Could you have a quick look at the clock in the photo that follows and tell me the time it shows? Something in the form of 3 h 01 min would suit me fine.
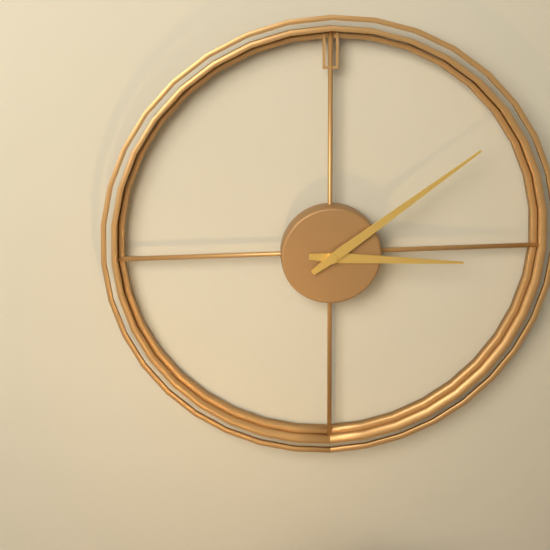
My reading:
3 h 09 min
